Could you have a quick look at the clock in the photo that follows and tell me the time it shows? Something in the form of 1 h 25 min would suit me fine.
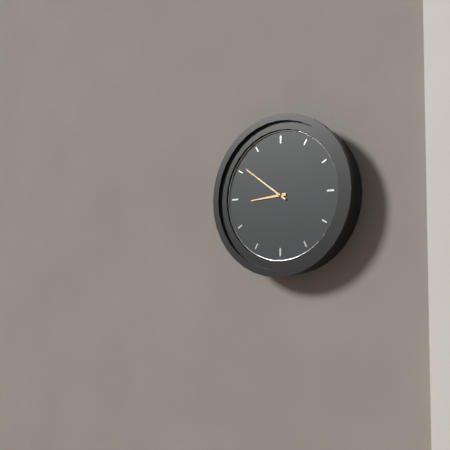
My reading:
8 h 51 min
